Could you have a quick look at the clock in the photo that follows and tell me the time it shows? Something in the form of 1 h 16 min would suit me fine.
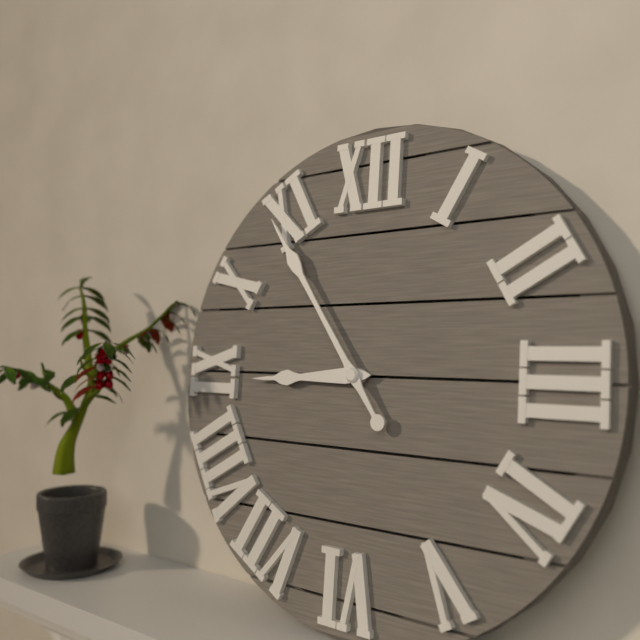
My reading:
8 h 54 min
